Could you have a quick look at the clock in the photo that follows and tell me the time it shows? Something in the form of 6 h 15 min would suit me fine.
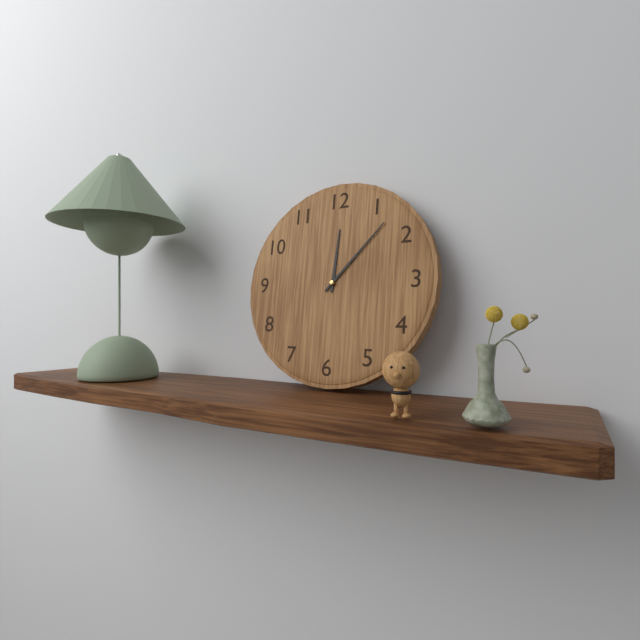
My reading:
12 h 07 min
